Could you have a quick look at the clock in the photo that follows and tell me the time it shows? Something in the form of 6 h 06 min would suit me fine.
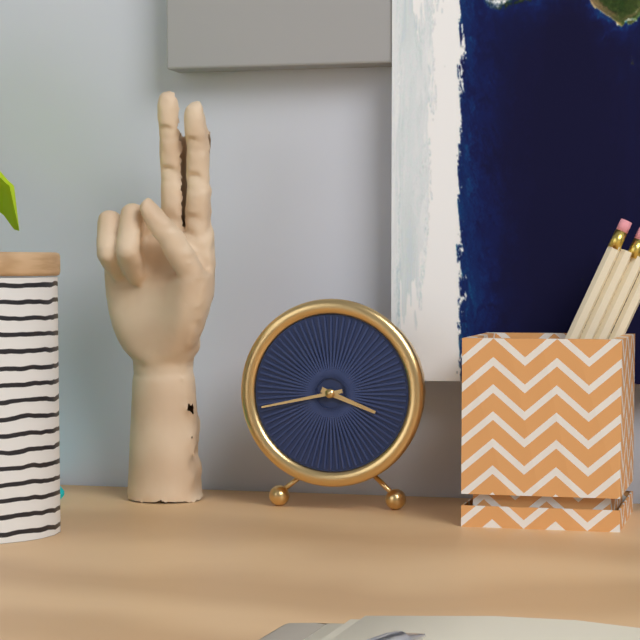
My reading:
3 h 43 min
